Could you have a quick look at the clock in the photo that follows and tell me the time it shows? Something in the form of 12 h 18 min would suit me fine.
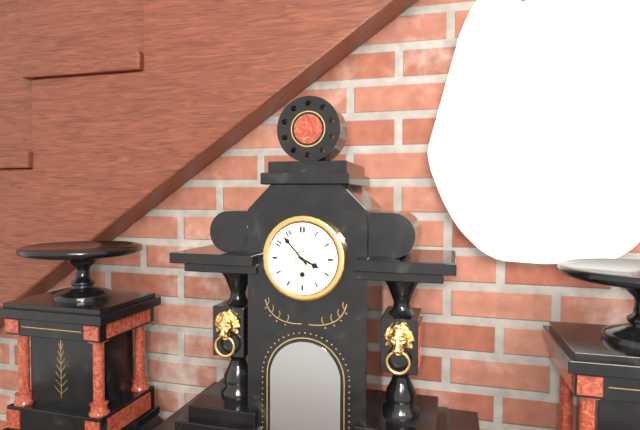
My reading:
3 h 53 min
